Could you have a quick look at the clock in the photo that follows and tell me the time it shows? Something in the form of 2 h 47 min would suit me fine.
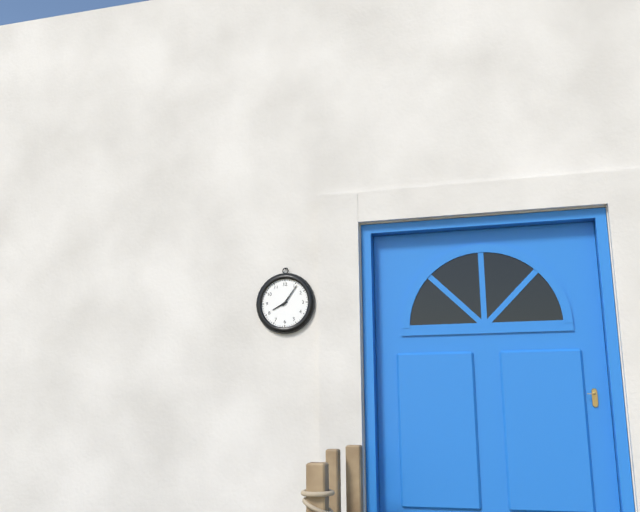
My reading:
8 h 06 min
